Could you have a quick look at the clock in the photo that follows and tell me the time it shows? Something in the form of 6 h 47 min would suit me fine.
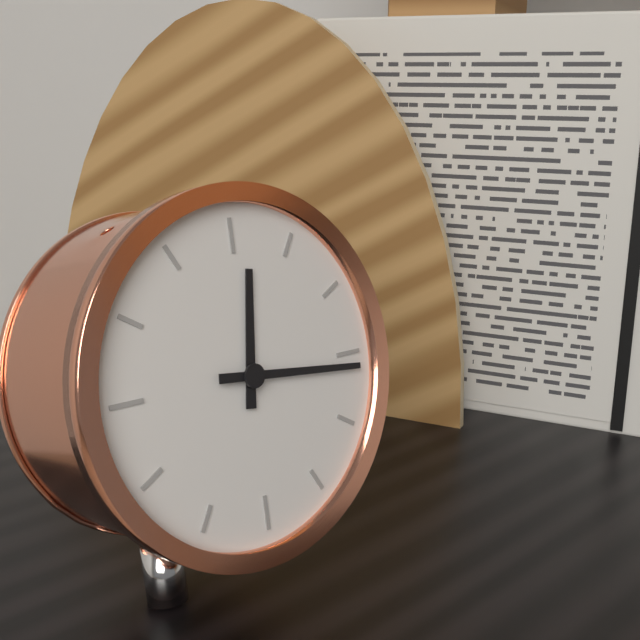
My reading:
12 h 16 min
